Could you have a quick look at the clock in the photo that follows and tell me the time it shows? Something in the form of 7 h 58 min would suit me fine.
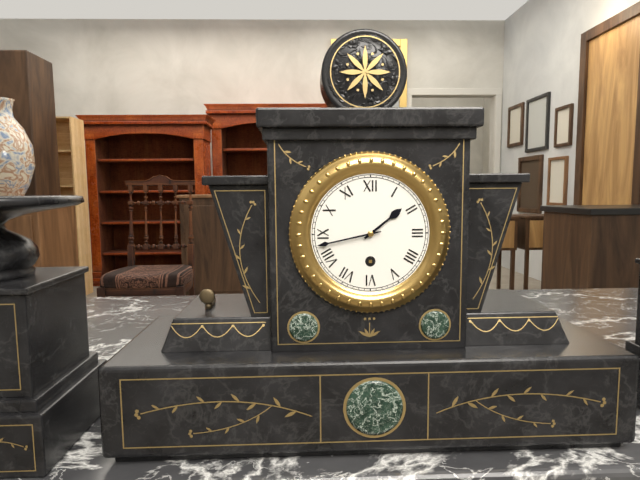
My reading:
1 h 43 min
